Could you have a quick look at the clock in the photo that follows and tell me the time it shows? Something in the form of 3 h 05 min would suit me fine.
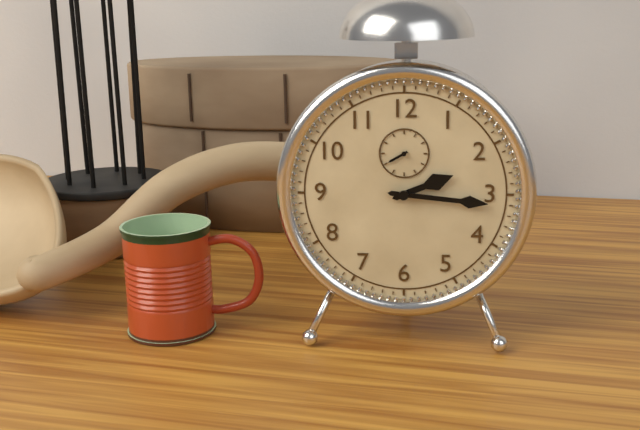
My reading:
2 h 16 min
